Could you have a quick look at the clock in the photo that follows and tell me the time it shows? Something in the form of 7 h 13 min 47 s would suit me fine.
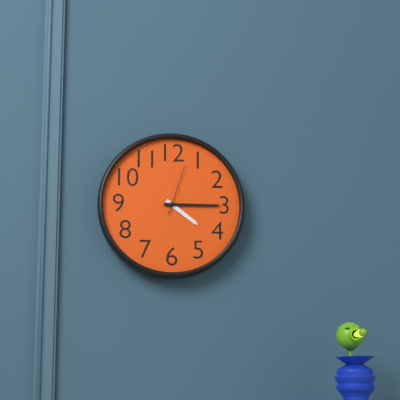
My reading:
4 h 15 min 03 s
